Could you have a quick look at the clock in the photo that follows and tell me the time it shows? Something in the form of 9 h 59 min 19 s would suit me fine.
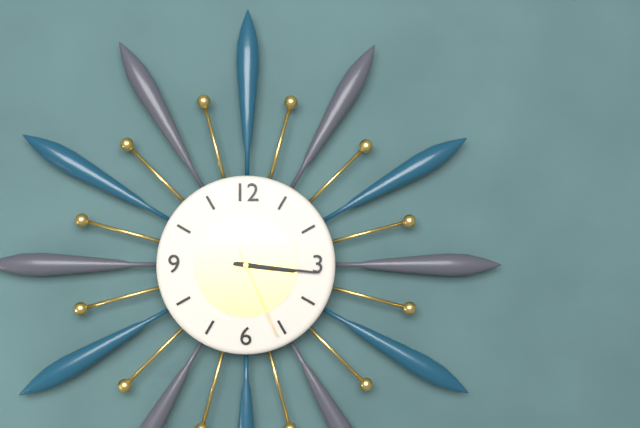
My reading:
3 h 16 min 26 s
